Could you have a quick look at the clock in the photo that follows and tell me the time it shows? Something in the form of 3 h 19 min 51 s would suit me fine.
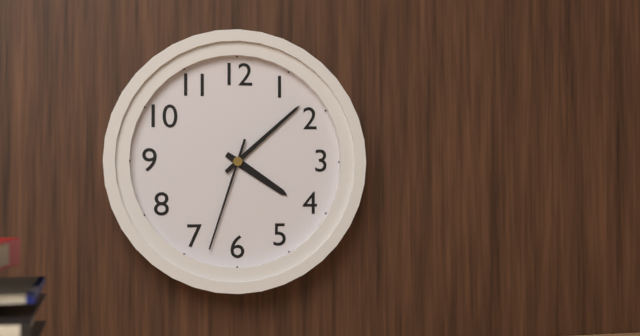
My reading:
4 h 08 min 33 s
